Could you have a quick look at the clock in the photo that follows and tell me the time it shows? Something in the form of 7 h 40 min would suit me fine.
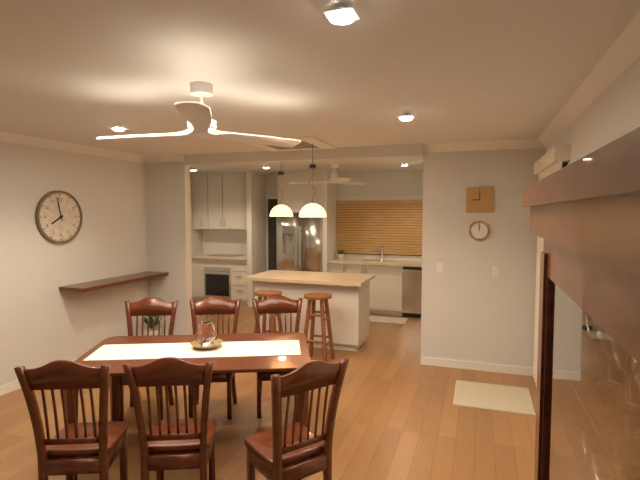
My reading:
7 h 58 min
